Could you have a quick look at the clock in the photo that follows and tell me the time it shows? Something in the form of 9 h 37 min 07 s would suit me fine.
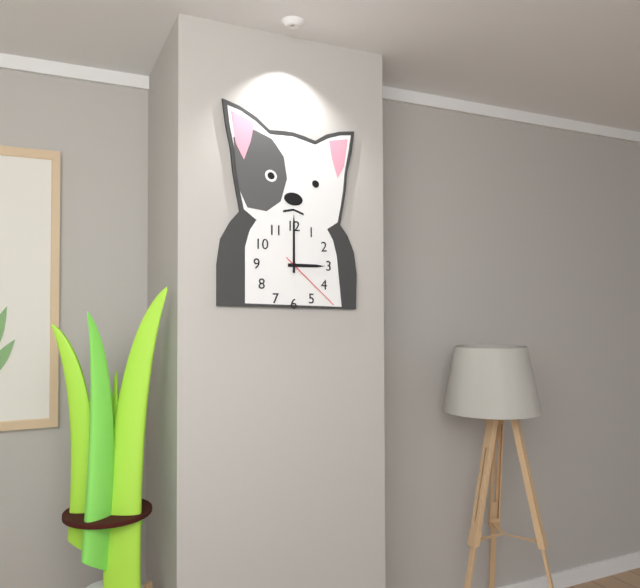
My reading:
3 h 00 min 22 s
